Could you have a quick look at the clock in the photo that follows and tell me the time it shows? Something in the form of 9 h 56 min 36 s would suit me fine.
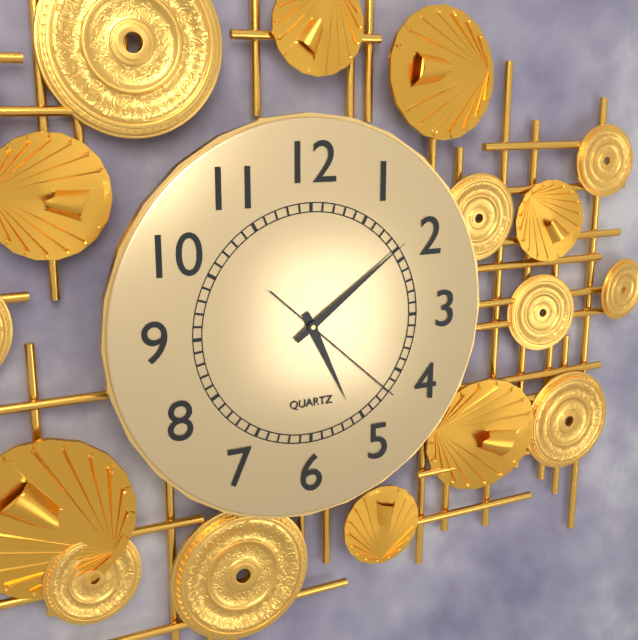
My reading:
5 h 09 min 22 s
